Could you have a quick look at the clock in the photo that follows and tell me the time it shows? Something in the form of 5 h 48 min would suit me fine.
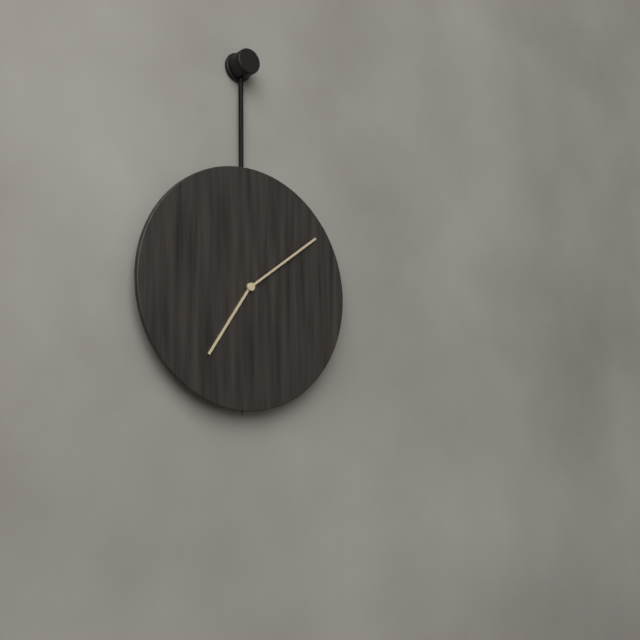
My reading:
7 h 09 min
